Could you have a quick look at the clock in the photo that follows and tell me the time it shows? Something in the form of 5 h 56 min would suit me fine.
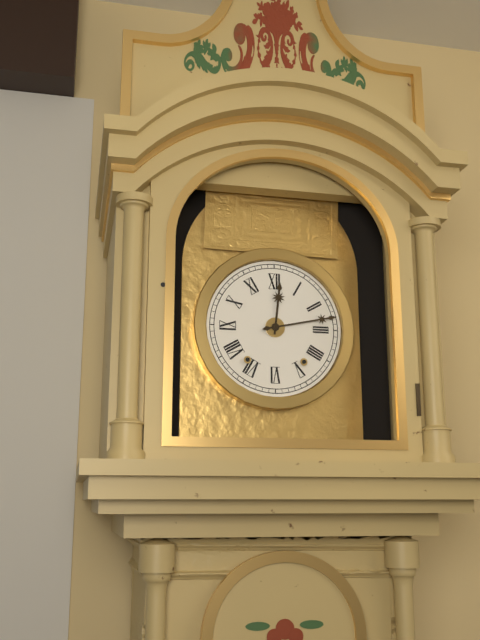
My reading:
12 h 13 min
